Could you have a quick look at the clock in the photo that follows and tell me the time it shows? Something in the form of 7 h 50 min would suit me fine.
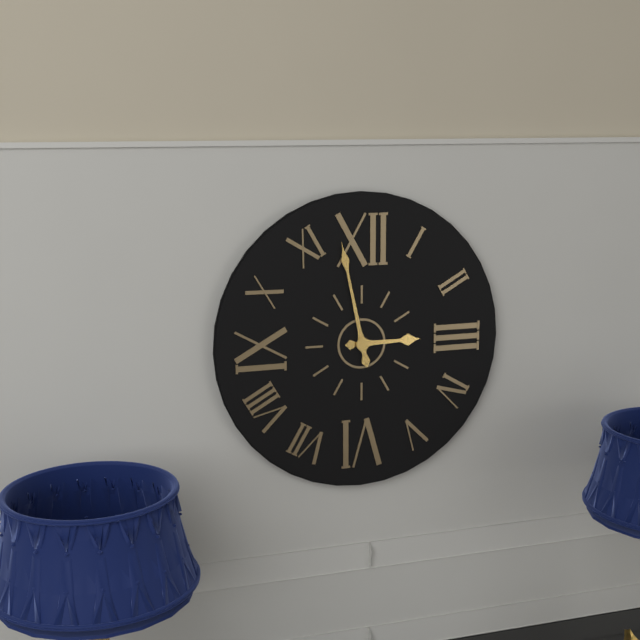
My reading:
2 h 58 min
